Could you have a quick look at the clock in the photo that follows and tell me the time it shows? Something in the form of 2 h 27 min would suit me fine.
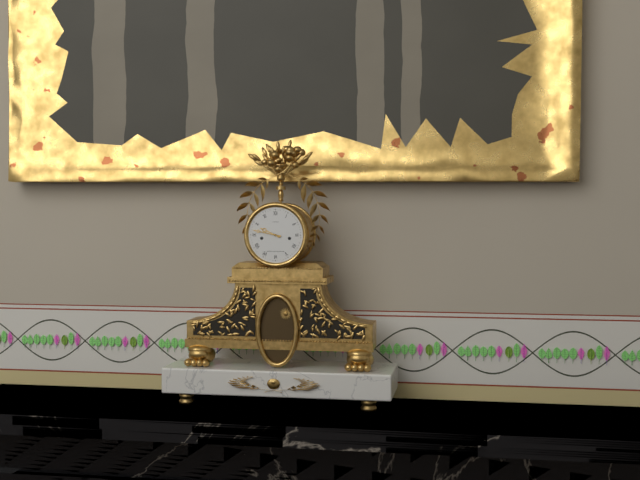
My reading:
9 h 47 min
